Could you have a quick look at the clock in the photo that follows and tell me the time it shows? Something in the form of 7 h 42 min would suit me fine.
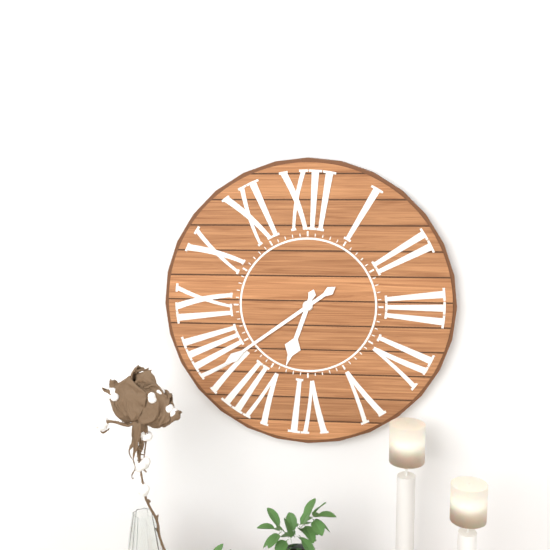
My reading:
6 h 39 min
